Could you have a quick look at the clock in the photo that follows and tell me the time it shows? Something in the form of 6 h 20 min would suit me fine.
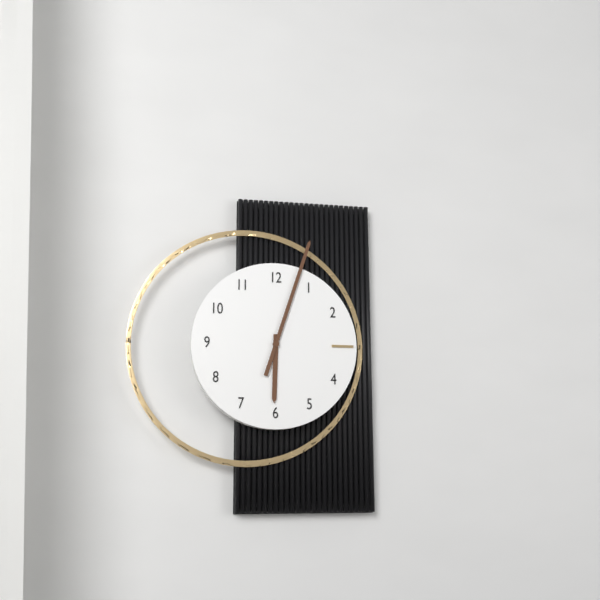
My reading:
6 h 03 min
